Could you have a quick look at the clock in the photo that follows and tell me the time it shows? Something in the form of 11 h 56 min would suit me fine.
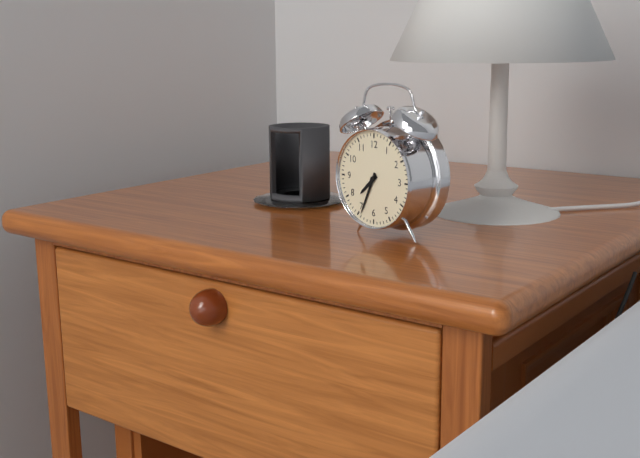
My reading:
7 h 34 min
